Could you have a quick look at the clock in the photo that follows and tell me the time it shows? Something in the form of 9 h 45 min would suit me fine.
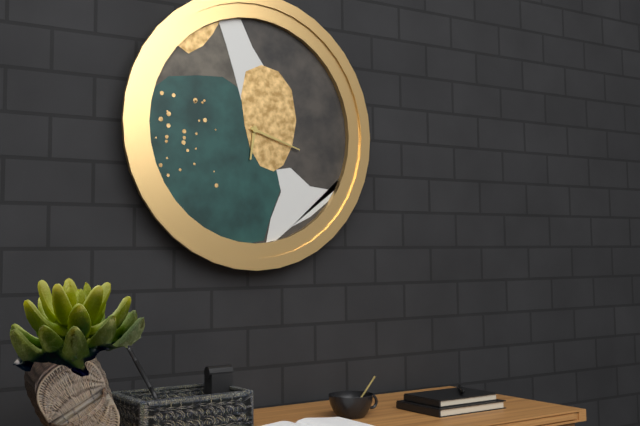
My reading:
6 h 18 min
